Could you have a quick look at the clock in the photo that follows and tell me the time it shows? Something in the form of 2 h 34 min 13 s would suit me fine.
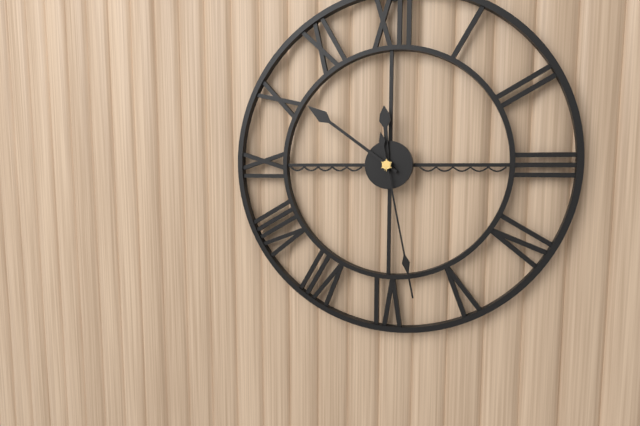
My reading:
11 h 51 min 28 s
